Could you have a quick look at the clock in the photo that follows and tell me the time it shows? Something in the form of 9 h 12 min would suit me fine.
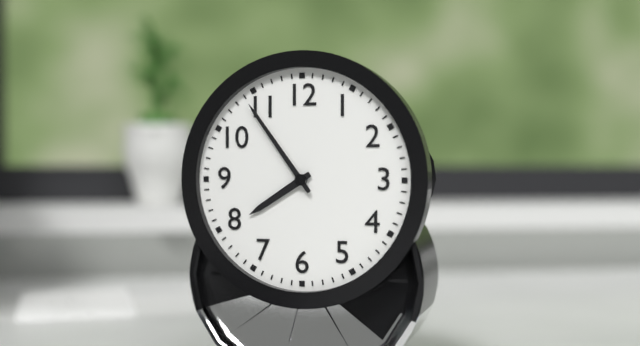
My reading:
7 h 54 min
